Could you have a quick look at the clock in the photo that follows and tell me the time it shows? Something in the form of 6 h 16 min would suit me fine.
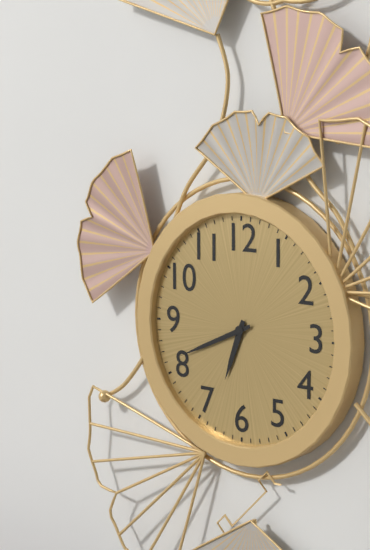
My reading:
6 h 41 min
